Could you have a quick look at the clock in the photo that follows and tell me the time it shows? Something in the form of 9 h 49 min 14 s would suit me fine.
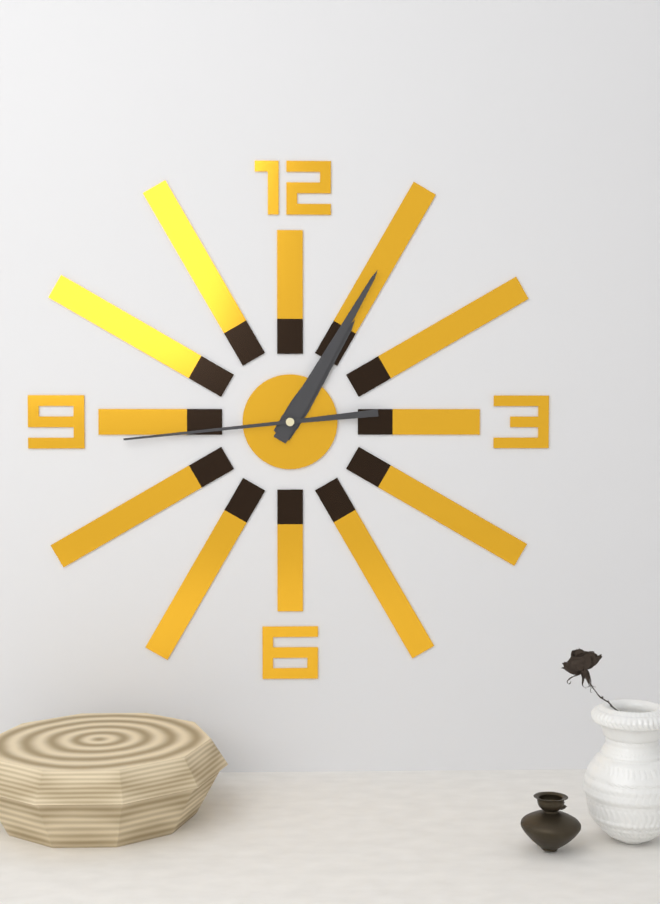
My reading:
1 h 05 min 44 s
